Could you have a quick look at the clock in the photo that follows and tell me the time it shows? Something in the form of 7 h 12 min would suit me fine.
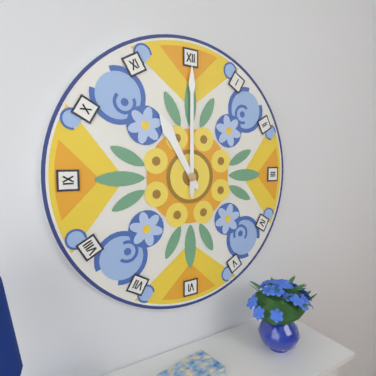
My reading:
11 h 00 min
